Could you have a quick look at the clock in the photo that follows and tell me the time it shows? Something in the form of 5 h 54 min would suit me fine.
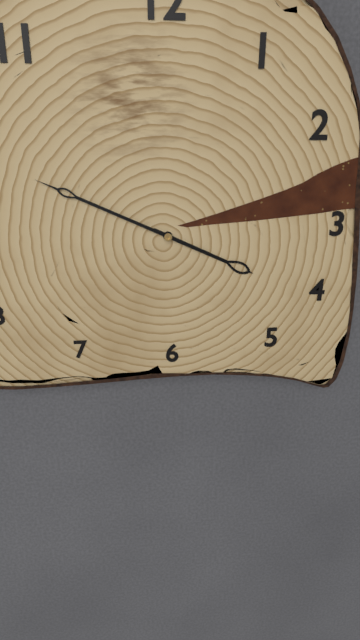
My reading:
3 h 49 min
